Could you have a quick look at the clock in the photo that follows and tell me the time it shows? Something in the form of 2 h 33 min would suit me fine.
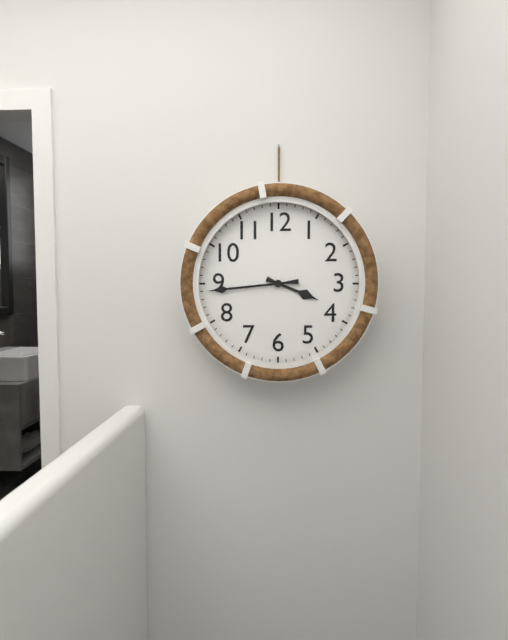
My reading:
3 h 44 min
